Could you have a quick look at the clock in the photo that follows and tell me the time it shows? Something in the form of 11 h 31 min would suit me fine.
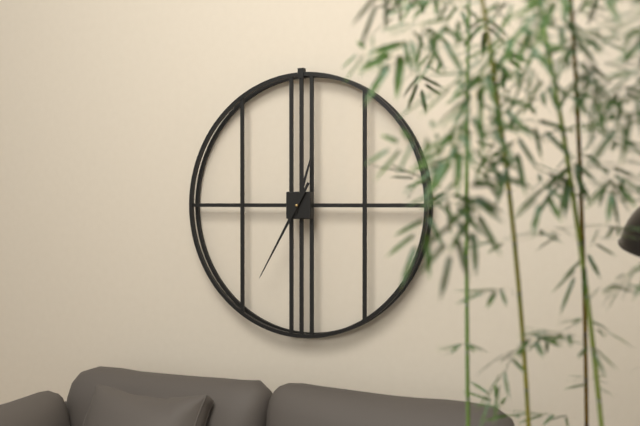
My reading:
12 h 35 min
